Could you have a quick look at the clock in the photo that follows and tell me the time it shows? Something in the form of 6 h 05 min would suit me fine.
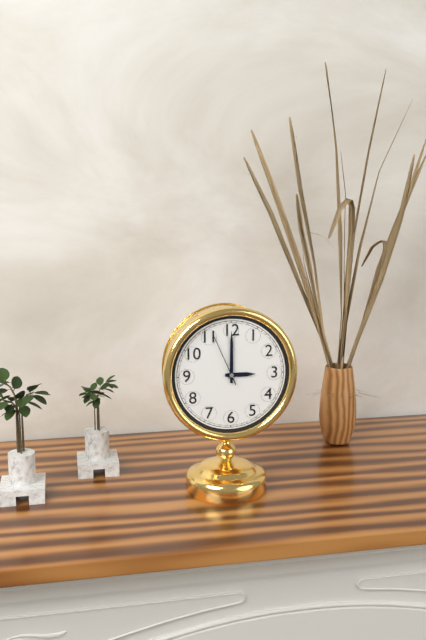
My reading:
3 h 00 min
